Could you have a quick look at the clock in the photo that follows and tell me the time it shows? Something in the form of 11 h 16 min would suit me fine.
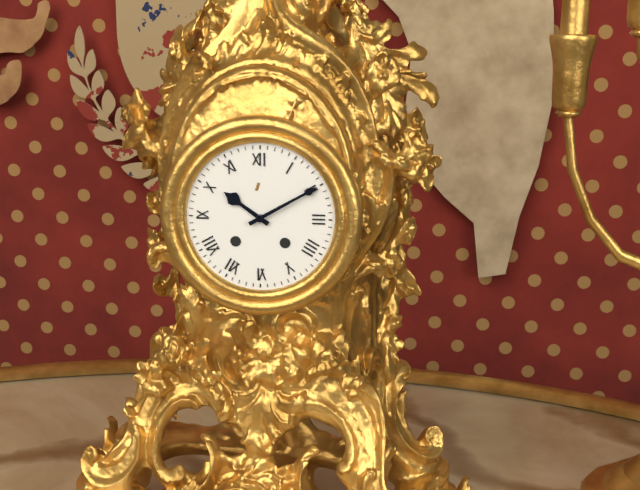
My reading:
10 h 10 min
